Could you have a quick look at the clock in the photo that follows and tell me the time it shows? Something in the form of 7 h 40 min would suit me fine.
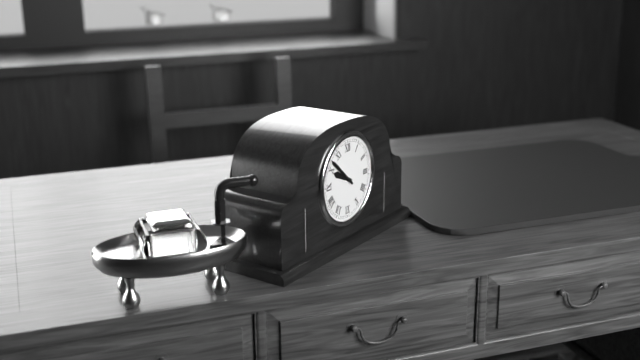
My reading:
9 h 52 min
